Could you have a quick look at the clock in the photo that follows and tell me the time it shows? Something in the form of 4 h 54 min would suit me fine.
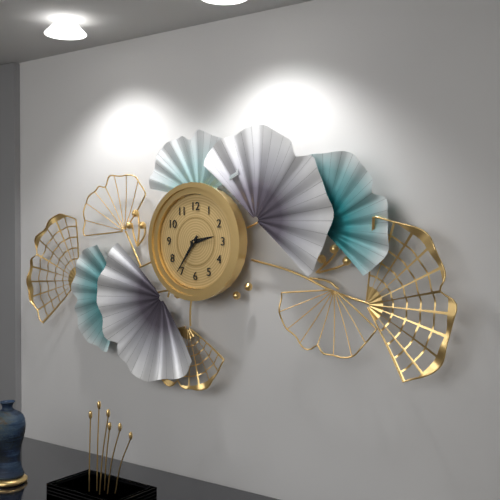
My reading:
2 h 36 min
